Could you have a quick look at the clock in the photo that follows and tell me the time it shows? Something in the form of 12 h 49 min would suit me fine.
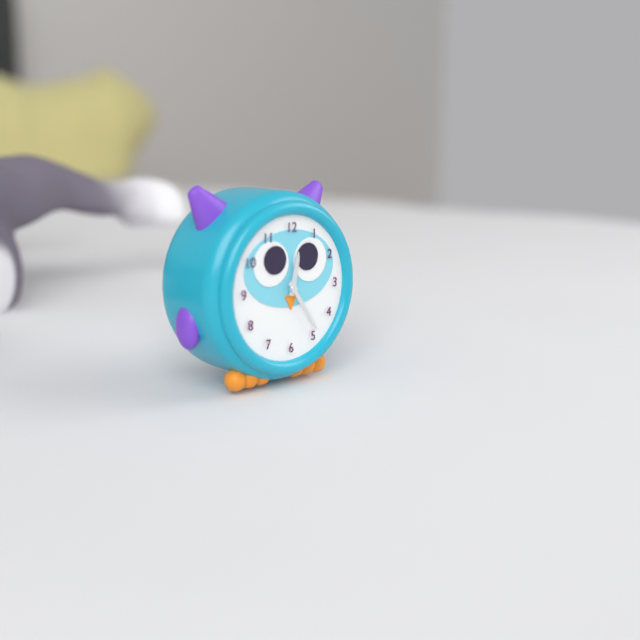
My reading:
12 h 24 min
